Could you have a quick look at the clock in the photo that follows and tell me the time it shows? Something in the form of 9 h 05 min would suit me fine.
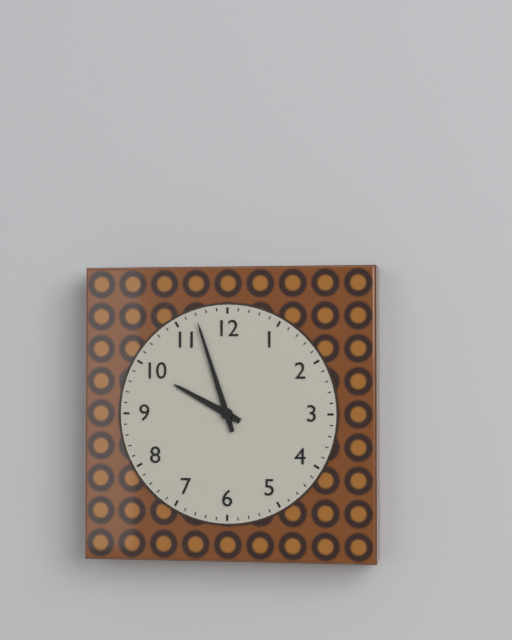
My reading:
9 h 57 min
